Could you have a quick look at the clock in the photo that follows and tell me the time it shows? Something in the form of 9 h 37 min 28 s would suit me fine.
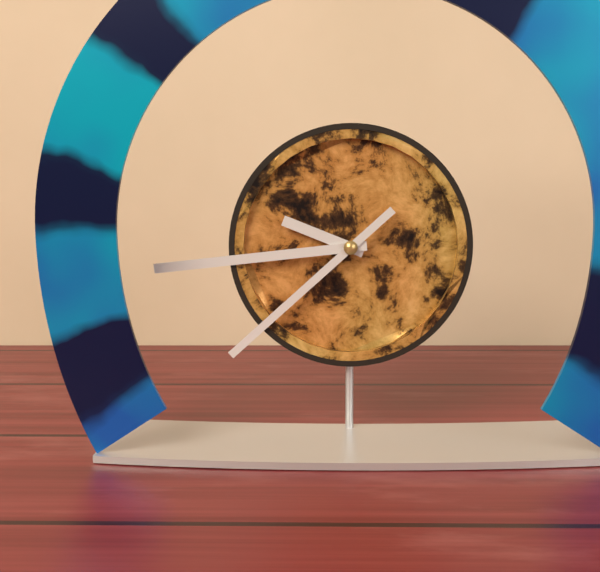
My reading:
9 h 44 min 38 s
